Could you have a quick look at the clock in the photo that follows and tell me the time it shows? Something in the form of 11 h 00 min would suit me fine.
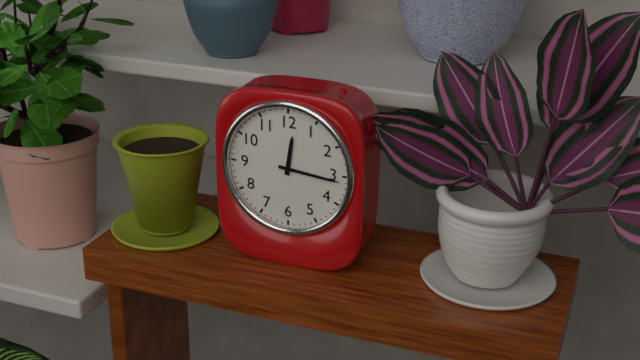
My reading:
12 h 16 min
